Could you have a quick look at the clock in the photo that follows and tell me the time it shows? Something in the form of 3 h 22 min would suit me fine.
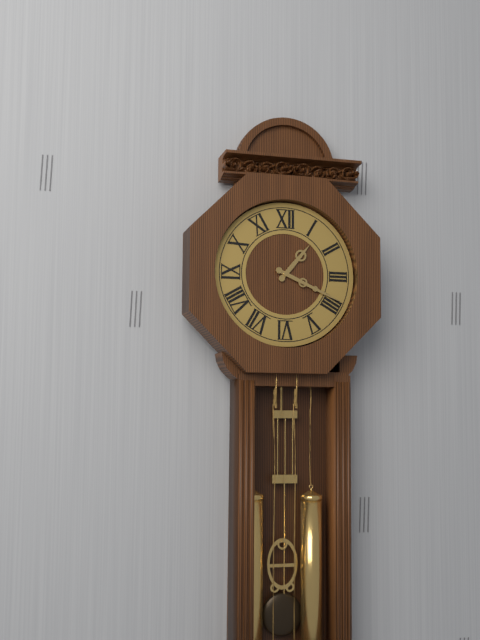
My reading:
1 h 19 min
